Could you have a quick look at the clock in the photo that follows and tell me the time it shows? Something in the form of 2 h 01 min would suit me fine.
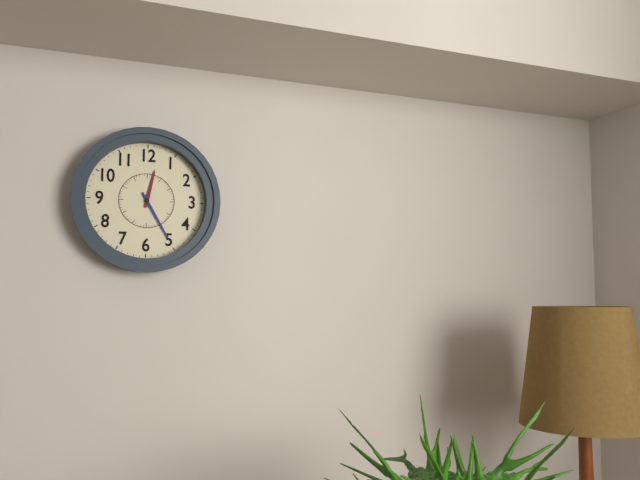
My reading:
12 h 25 min
